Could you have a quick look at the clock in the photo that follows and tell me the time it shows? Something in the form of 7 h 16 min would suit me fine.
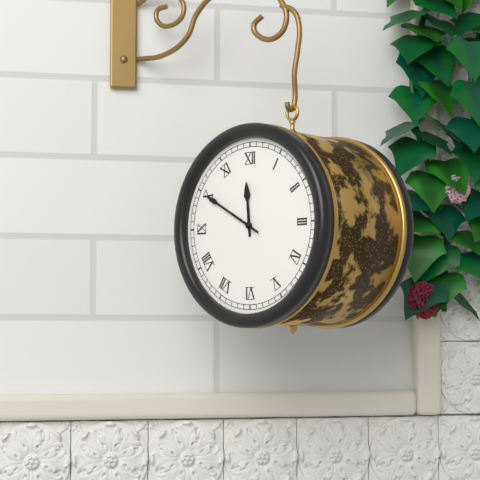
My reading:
11 h 50 min
